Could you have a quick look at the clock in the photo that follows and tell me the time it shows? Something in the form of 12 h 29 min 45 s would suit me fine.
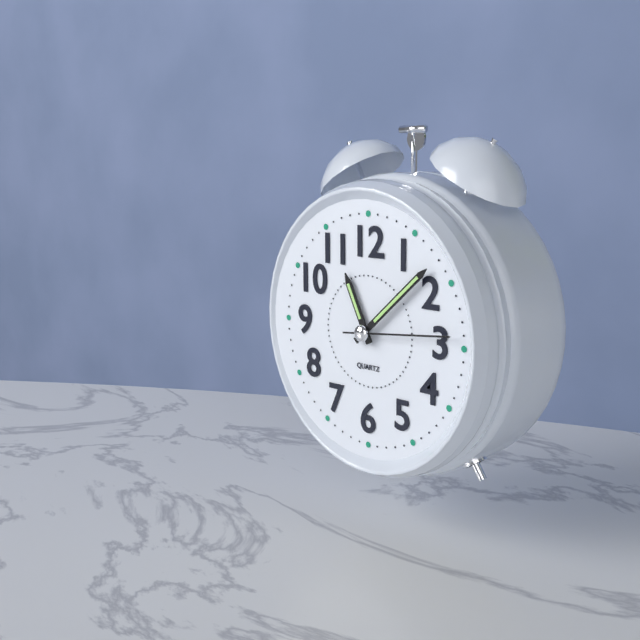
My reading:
11 h 08 min 14 s
